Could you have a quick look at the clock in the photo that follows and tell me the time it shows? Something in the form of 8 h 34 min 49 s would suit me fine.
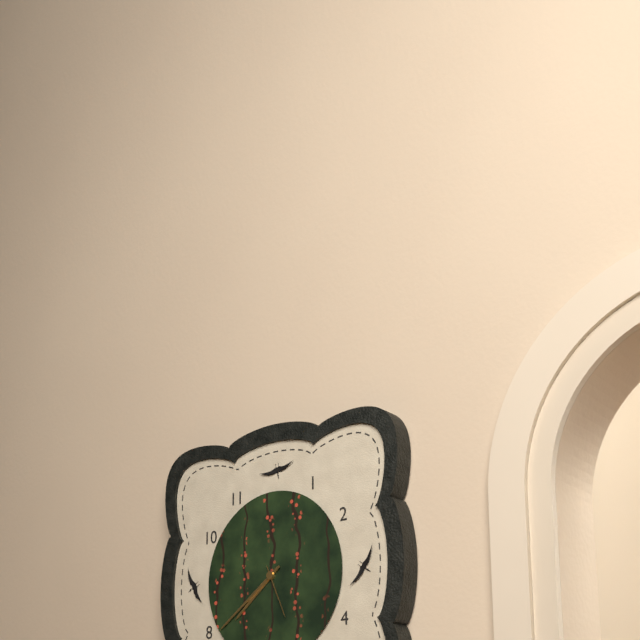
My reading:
7 h 39 min 26 s
